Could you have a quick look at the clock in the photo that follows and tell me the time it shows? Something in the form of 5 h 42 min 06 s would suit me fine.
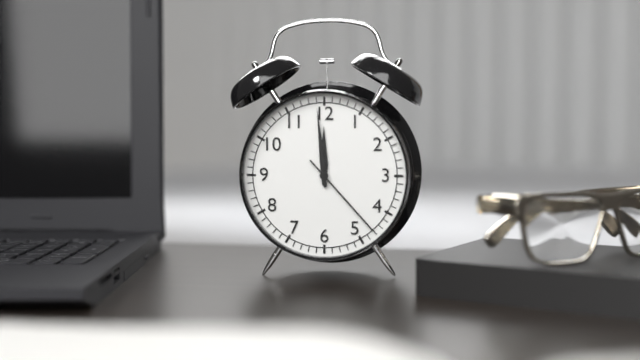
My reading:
11 h 59 min 23 s
